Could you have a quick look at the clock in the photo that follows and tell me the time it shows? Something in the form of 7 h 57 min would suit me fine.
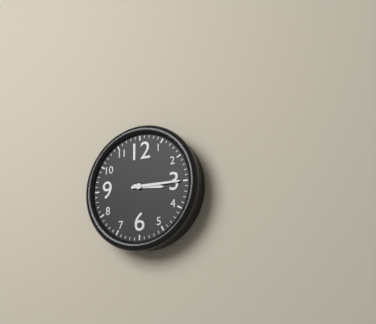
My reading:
3 h 15 min
